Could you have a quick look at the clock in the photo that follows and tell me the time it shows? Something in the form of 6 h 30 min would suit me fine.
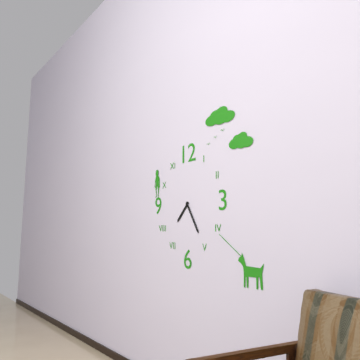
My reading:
7 h 25 min
